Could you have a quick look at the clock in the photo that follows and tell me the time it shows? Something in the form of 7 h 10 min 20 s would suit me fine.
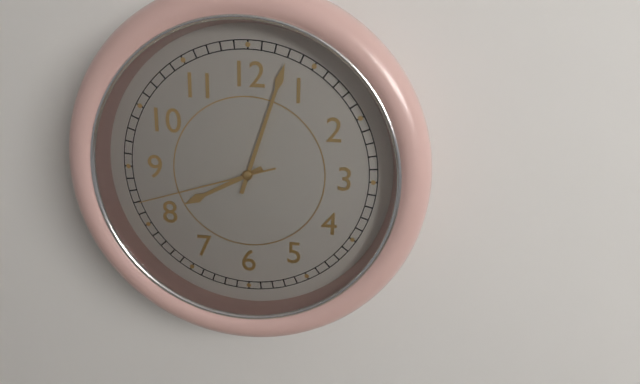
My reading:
8 h 03 min 42 s
